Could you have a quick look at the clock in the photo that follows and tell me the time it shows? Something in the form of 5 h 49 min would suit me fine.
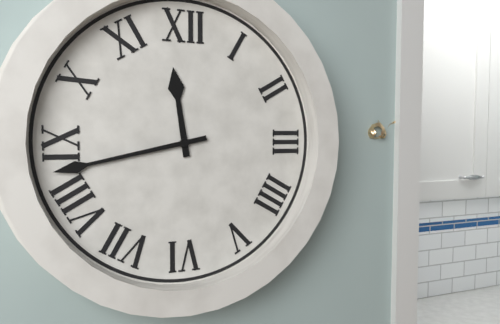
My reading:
11 h 43 min
